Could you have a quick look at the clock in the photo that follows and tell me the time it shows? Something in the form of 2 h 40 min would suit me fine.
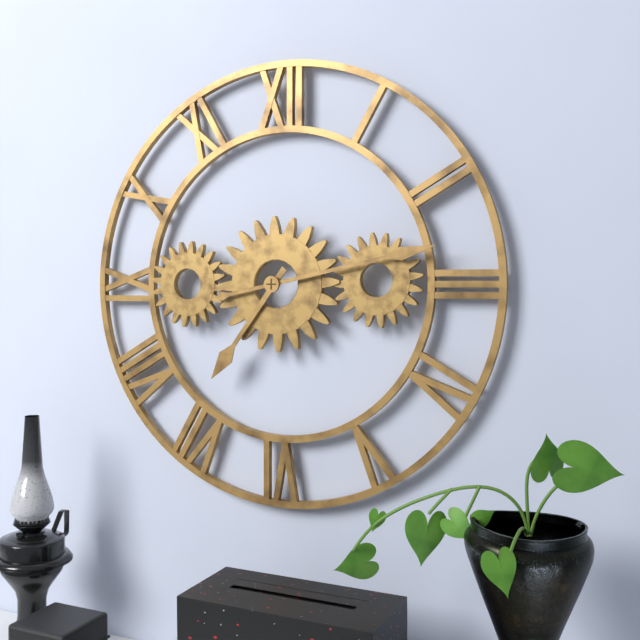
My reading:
7 h 13 min
